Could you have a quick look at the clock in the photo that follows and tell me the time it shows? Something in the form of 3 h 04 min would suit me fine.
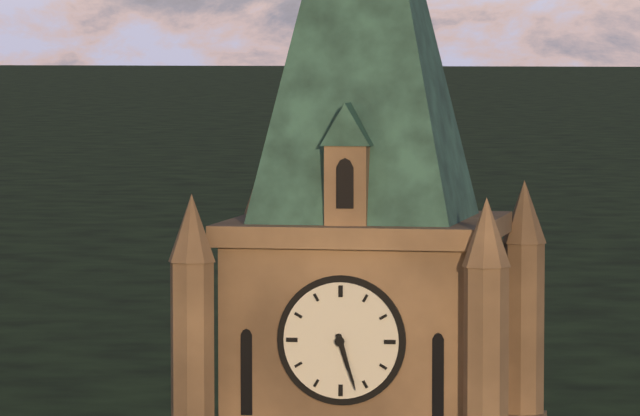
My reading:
5 h 27 min
